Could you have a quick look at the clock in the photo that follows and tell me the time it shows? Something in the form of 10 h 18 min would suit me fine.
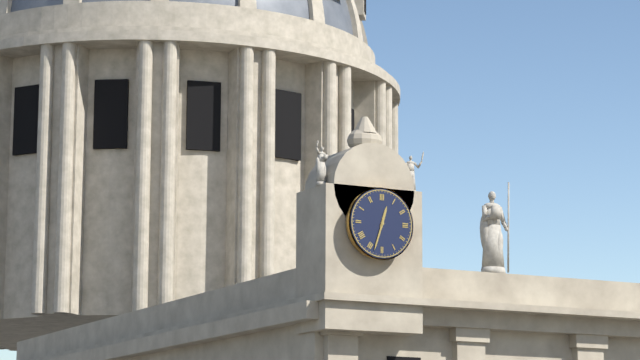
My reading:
12 h 33 min
